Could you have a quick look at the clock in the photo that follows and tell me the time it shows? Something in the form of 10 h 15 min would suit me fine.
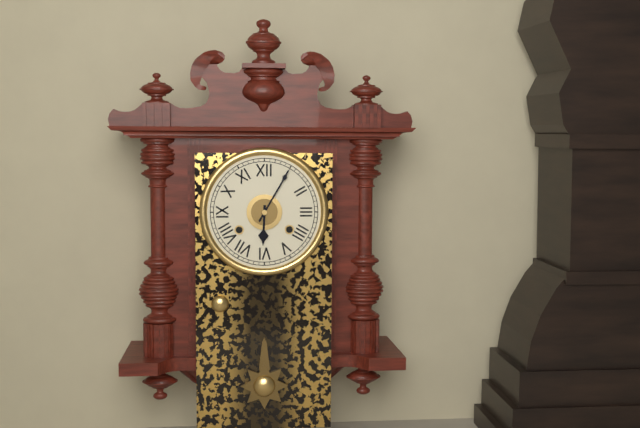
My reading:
6 h 05 min
